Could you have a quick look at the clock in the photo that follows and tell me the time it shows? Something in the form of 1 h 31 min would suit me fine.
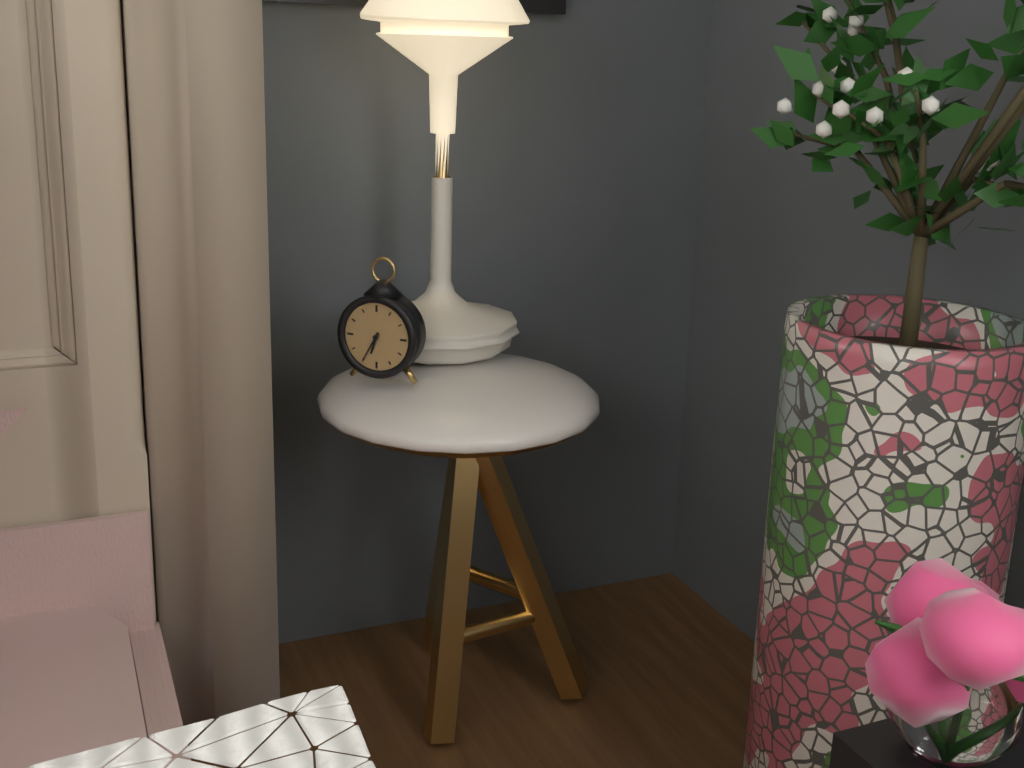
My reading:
6 h 35 min
